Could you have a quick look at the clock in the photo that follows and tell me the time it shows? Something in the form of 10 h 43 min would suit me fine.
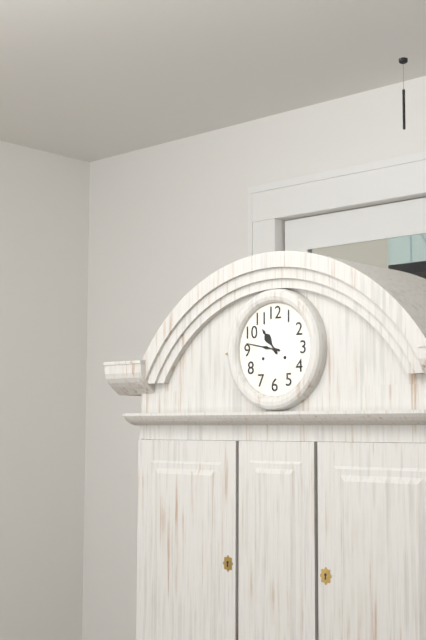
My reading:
10 h 47 min
